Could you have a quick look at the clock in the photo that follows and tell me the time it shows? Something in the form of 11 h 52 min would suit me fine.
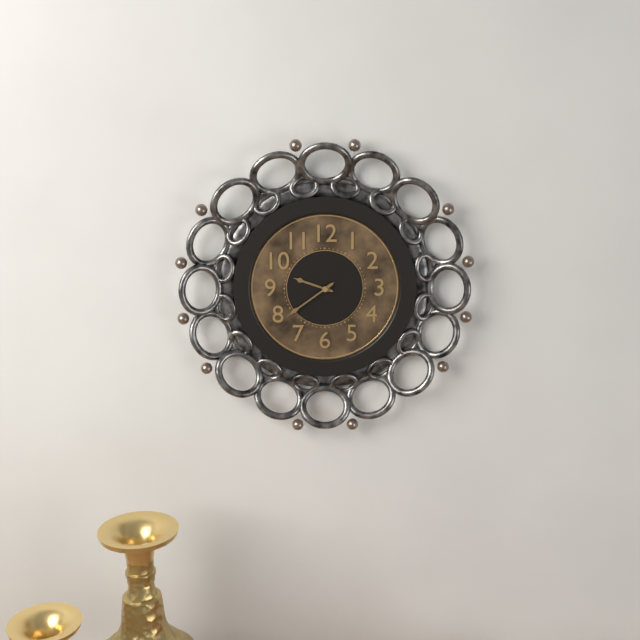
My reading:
9 h 39 min
